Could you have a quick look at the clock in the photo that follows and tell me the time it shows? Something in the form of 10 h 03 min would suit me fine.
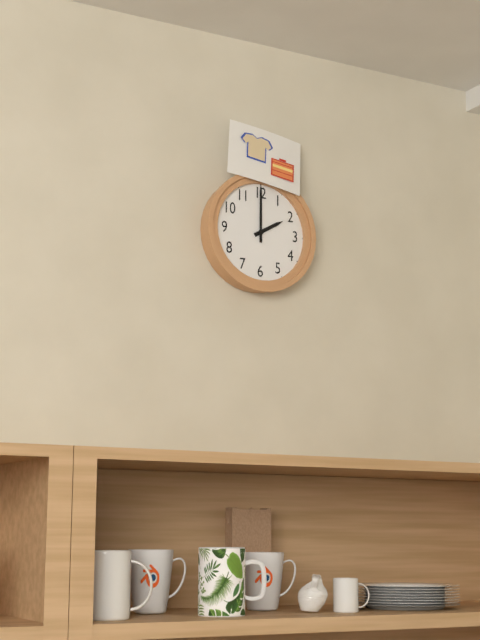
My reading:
2 h 00 min
